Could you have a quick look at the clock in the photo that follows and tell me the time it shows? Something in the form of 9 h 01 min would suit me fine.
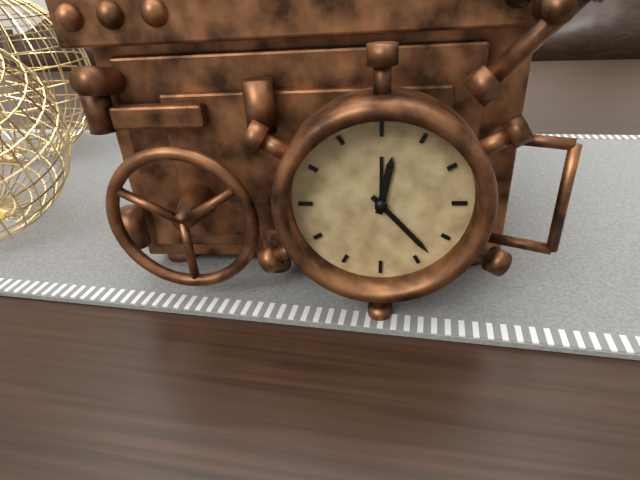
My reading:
12 h 23 min
